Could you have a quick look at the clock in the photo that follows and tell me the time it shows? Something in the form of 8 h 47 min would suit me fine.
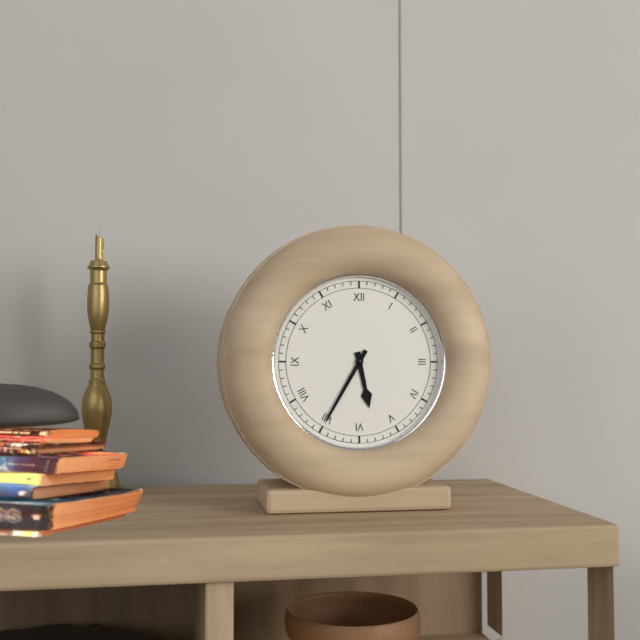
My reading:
5 h 35 min
